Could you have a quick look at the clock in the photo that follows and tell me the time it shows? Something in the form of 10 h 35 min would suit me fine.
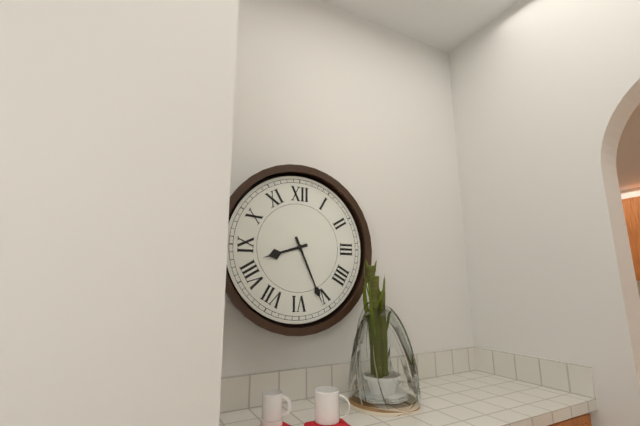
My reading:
8 h 26 min
